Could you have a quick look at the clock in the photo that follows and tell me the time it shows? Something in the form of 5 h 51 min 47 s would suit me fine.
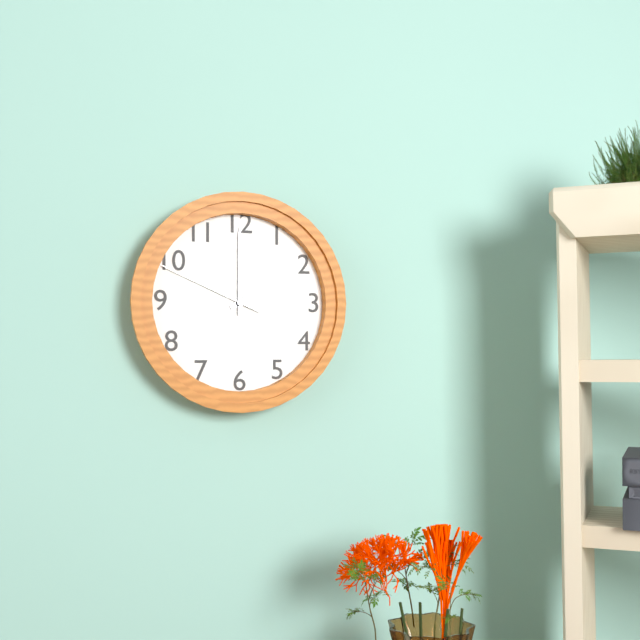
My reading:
2 h 00 min 49 s
